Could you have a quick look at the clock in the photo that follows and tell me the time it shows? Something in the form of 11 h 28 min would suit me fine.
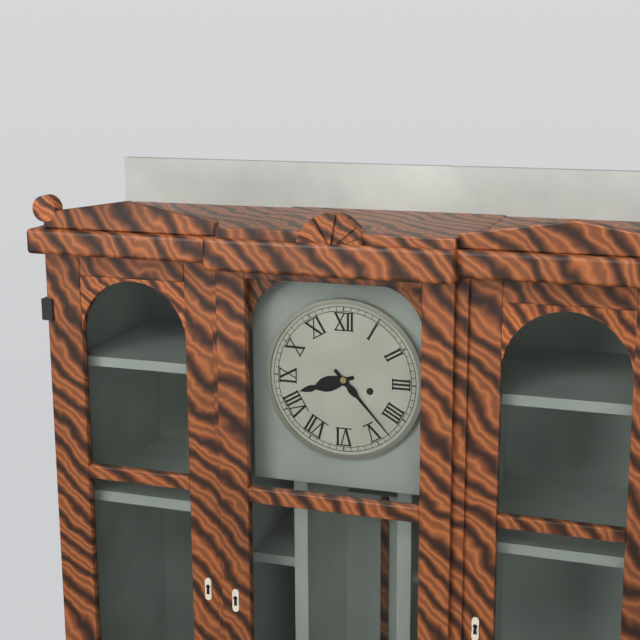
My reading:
8 h 23 min
